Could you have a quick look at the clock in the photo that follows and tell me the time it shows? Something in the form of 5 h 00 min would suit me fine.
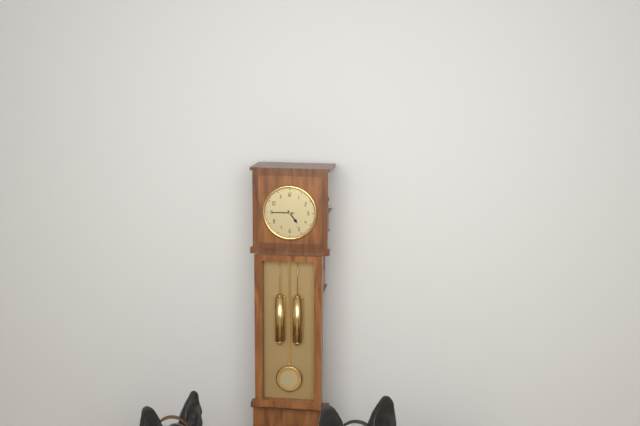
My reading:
4 h 45 min
